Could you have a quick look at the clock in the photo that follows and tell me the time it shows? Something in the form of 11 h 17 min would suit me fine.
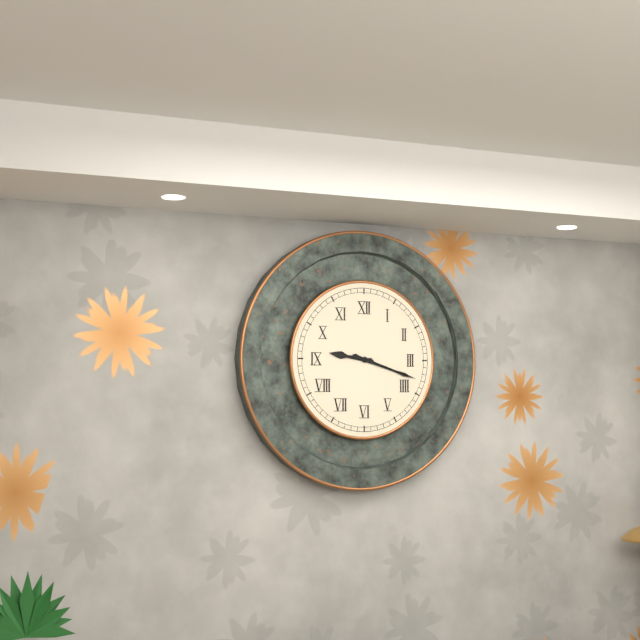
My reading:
9 h 18 min
